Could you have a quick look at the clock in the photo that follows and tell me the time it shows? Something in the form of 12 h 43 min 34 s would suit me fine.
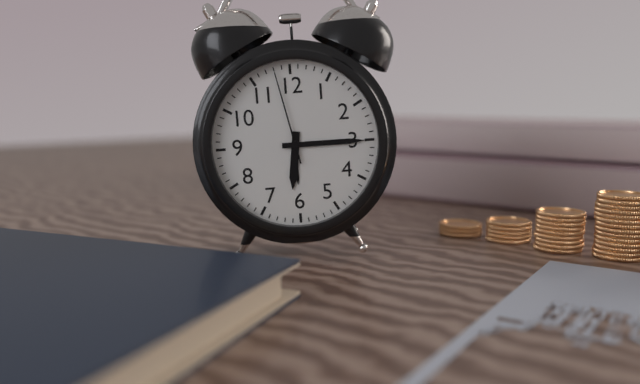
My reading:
6 h 15 min 58 s
